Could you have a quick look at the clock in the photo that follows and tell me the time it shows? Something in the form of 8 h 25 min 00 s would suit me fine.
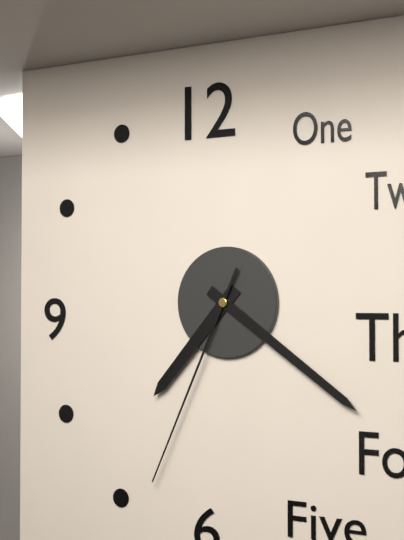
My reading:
7 h 21 min 34 s
